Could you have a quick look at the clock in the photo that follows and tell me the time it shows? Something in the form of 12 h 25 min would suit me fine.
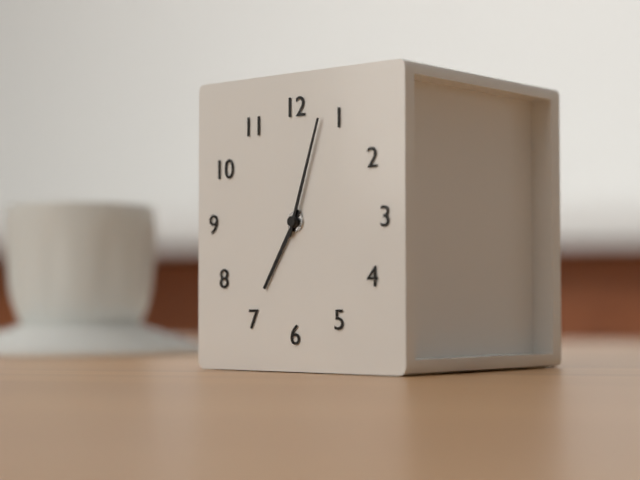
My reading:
7 h 03 min
